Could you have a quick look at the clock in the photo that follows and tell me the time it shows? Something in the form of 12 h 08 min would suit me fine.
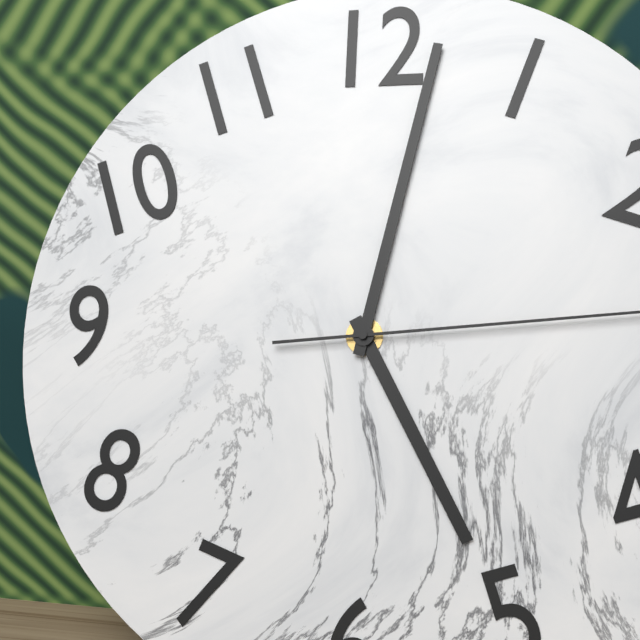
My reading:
5 h 02 min
